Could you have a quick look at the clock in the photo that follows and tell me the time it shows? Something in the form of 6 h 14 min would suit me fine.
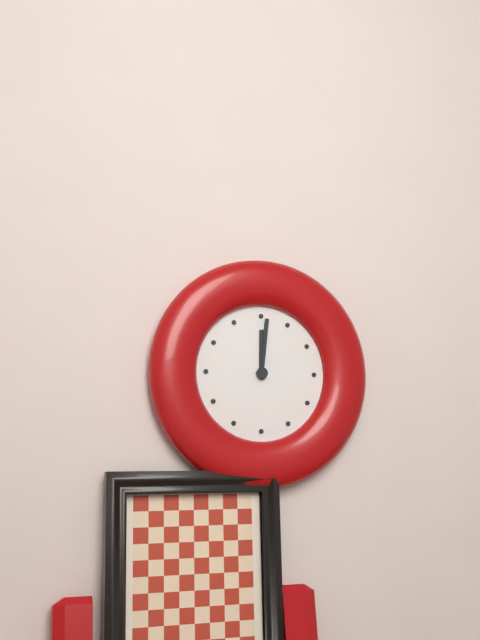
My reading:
12 h 01 min
